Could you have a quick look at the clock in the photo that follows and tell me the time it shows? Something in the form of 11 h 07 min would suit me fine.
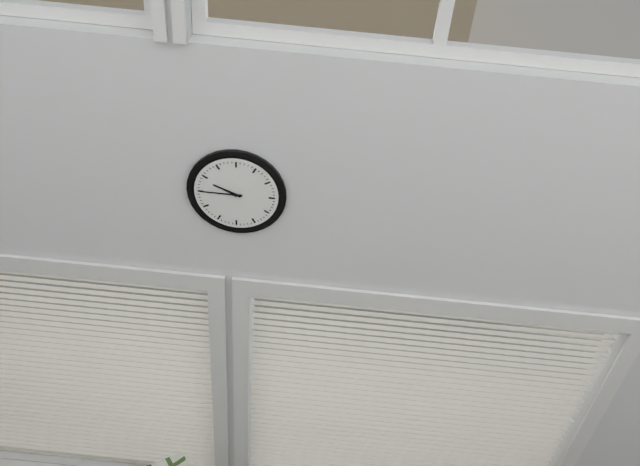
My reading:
9 h 45 min
